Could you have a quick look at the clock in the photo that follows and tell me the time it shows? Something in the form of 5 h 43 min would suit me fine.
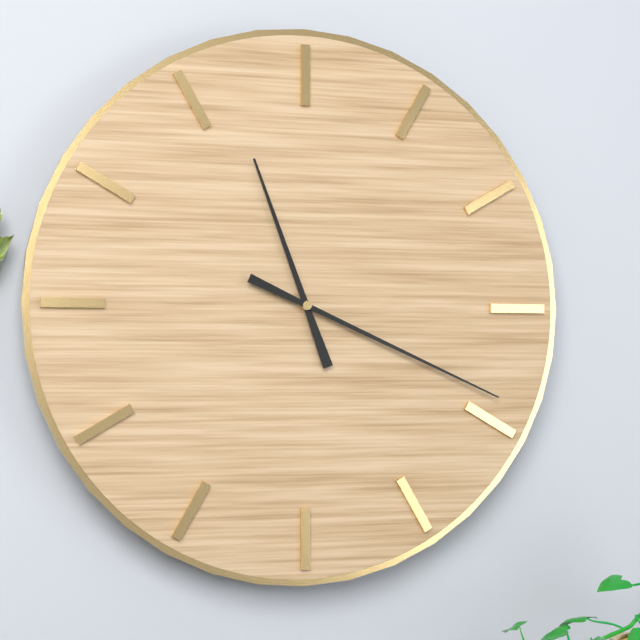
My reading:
11 h 19 min
